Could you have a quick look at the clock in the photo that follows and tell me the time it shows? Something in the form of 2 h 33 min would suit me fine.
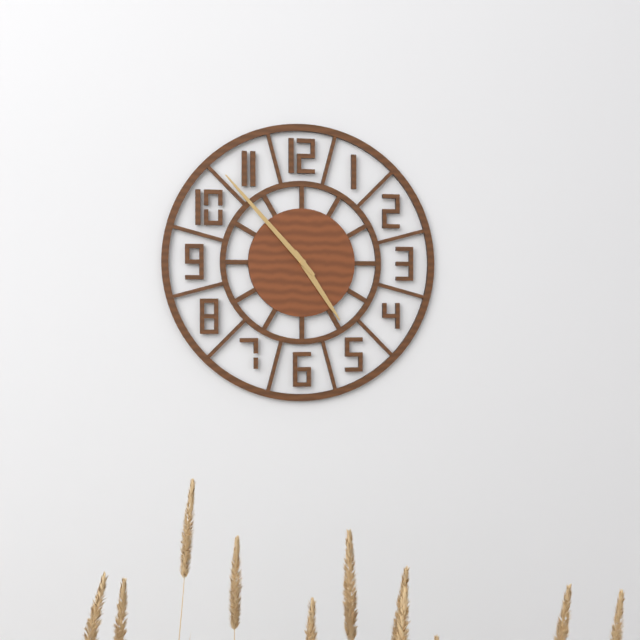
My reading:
4 h 53 min
